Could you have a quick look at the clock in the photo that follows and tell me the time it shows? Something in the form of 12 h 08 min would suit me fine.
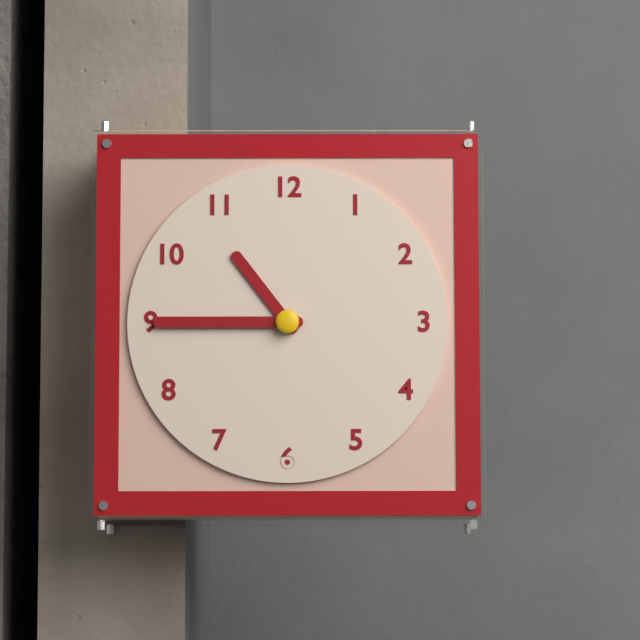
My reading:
10 h 45 min
